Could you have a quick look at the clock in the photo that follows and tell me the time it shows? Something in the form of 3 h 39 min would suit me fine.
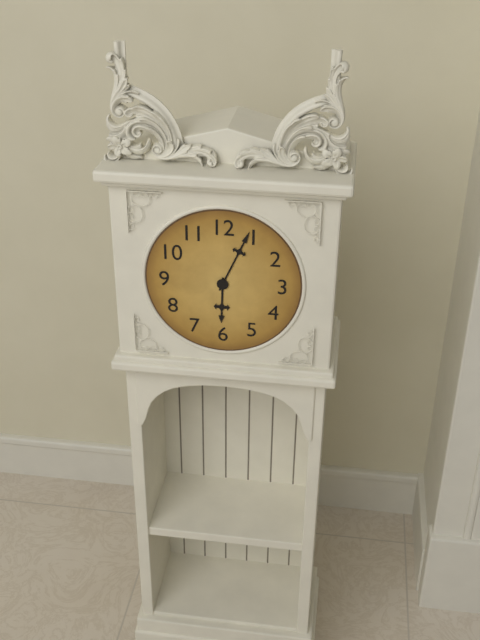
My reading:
6 h 04 min
